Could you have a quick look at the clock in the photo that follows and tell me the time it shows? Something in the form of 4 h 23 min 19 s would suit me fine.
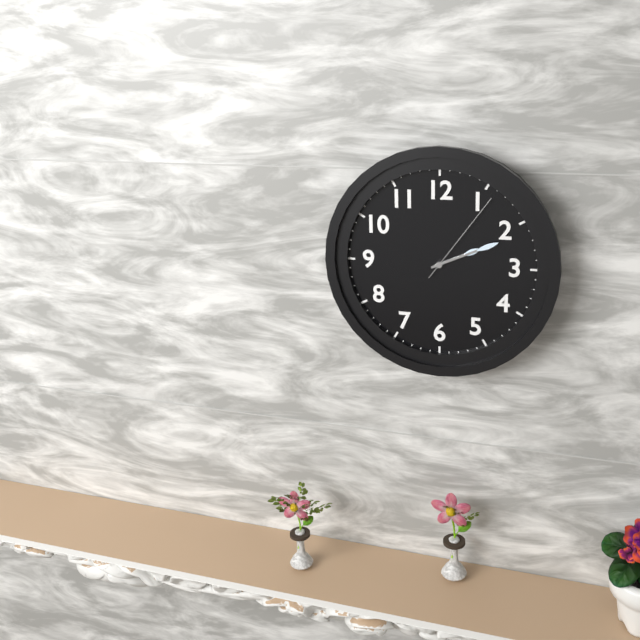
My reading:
2 h 11 min 06 s
